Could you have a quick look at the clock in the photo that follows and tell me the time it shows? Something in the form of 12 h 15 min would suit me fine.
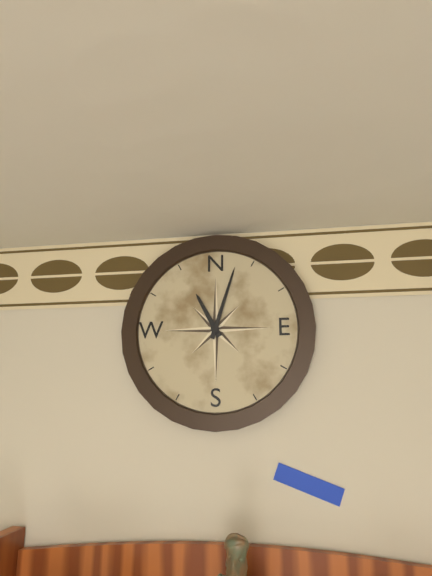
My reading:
11 h 03 min
